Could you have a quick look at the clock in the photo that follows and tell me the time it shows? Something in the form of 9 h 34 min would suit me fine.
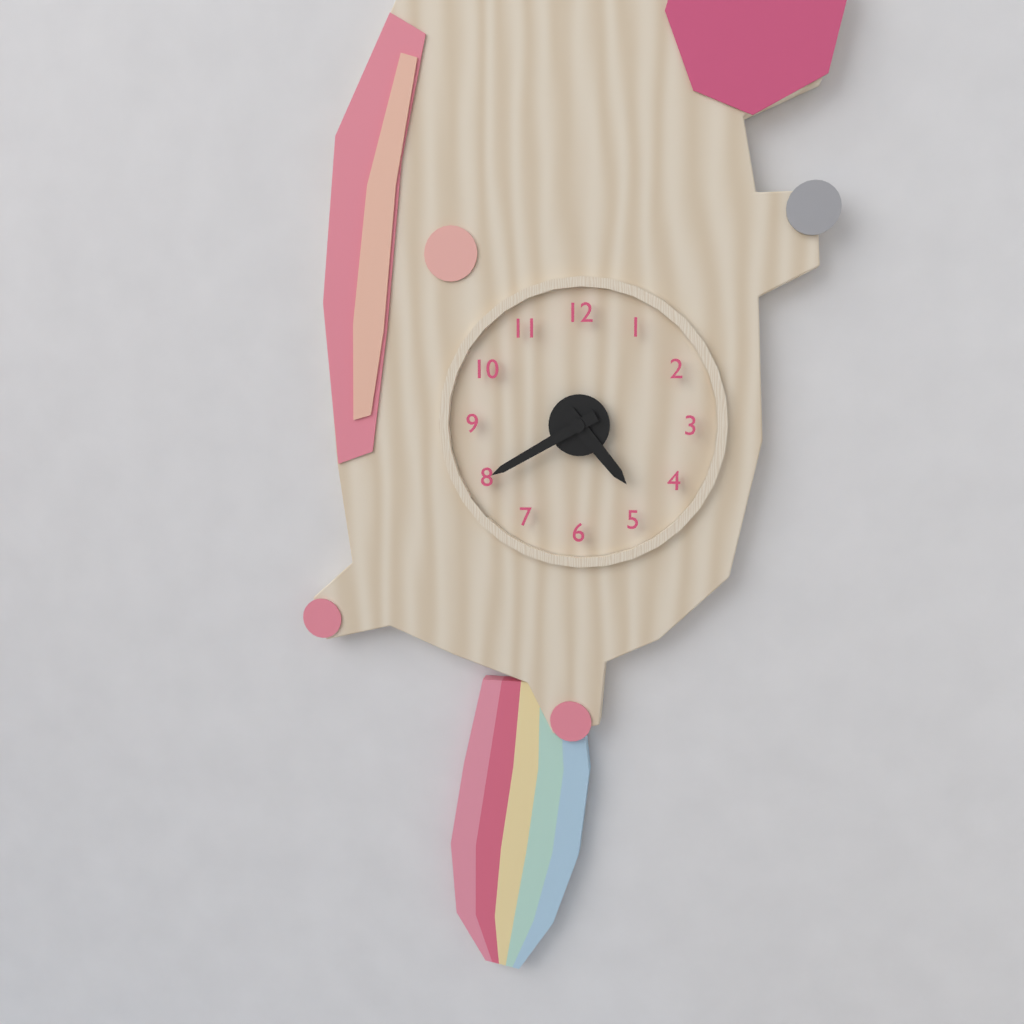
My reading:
4 h 40 min
